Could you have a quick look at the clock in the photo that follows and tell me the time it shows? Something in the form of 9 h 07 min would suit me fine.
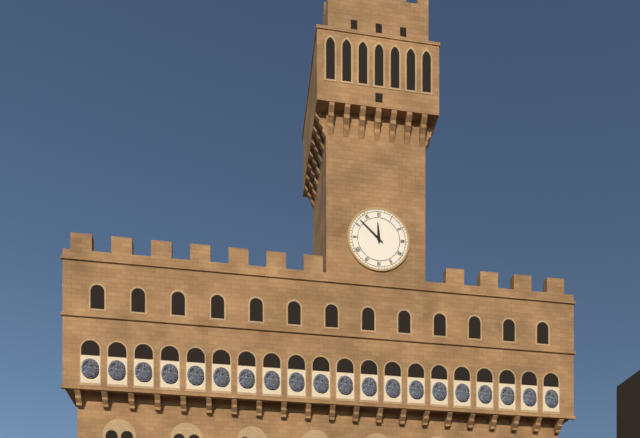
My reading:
11 h 52 min
